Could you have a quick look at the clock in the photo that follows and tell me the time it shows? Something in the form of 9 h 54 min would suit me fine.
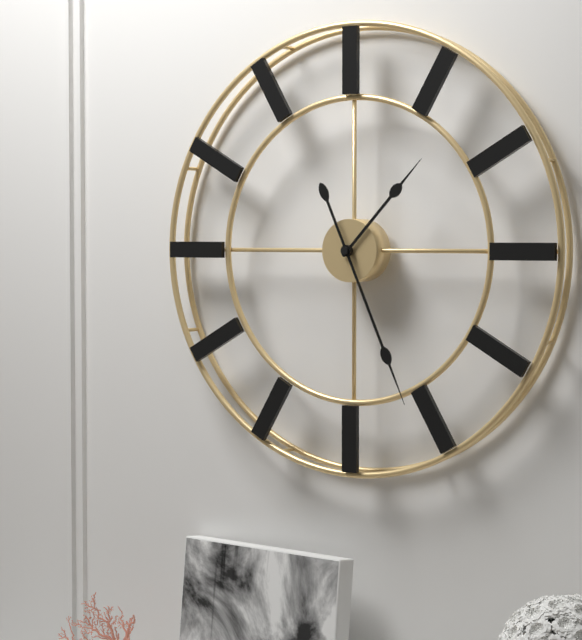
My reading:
1 h 26 min
